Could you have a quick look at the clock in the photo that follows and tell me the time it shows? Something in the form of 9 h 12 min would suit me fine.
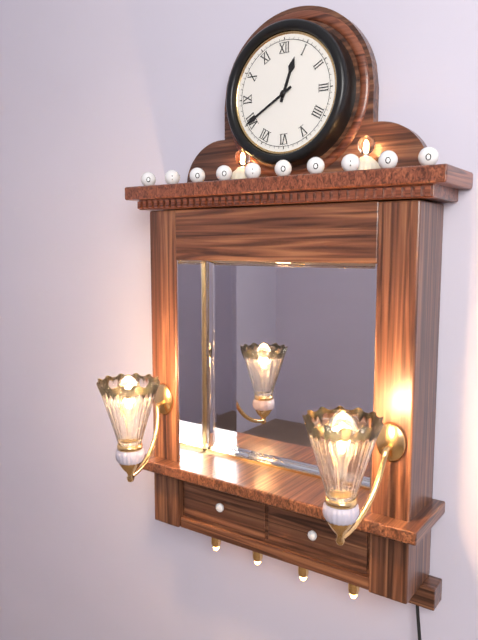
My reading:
12 h 40 min
